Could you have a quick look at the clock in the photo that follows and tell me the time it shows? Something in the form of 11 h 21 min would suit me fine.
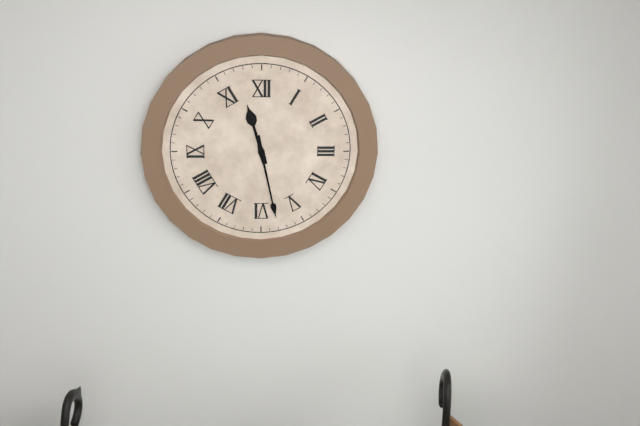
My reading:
11 h 28 min
